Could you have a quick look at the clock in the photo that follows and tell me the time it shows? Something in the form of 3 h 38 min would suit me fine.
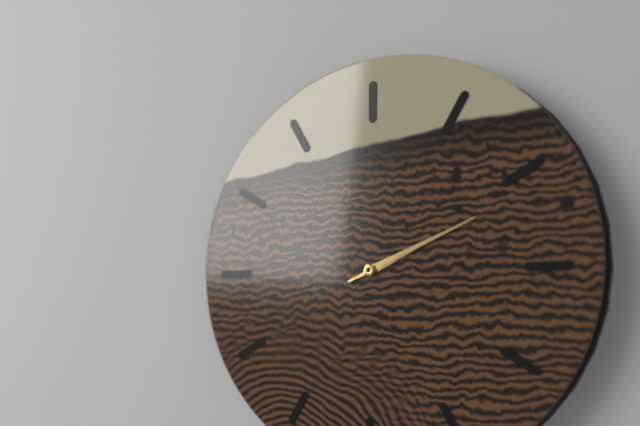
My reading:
2 h 11 min
